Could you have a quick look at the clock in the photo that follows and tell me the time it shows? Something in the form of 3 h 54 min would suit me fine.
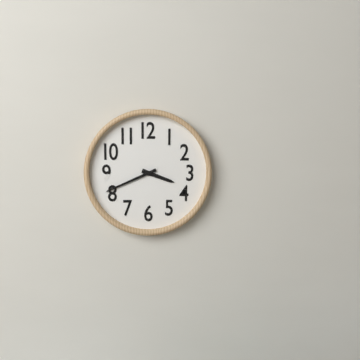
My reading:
3 h 41 min
